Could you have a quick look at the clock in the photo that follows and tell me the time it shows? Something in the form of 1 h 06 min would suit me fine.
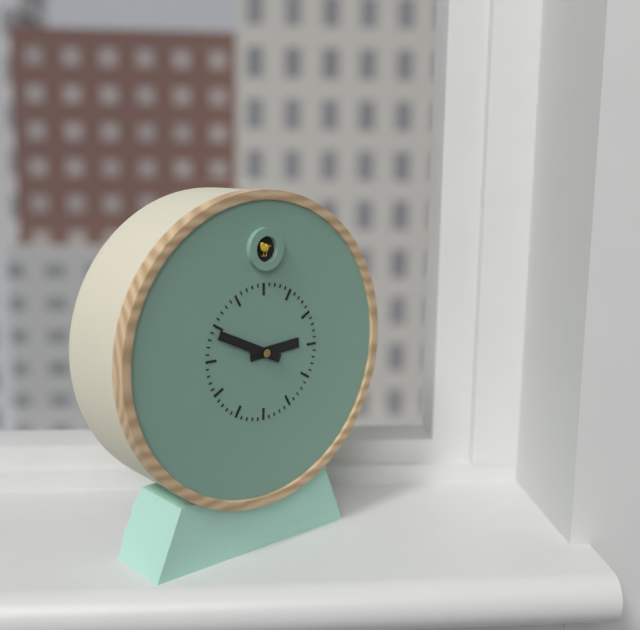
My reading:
2 h 49 min
